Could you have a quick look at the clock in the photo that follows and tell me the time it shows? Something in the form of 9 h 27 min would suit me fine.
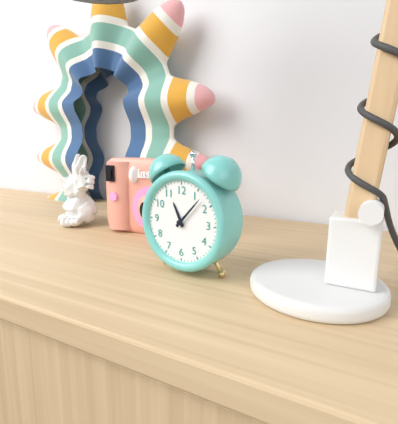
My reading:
11 h 07 min
